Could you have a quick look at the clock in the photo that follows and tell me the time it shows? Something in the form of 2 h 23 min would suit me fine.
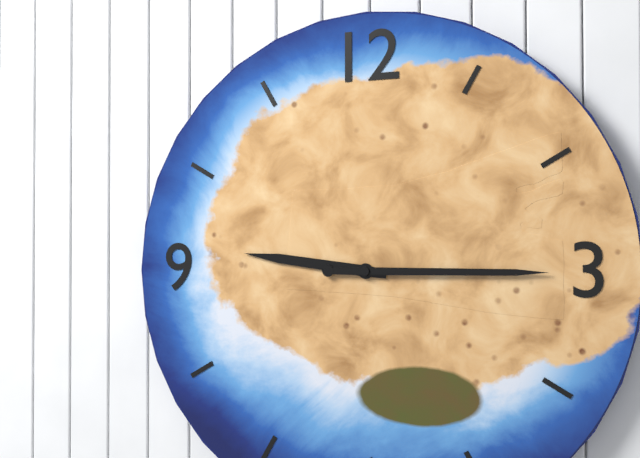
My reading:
9 h 15 min
